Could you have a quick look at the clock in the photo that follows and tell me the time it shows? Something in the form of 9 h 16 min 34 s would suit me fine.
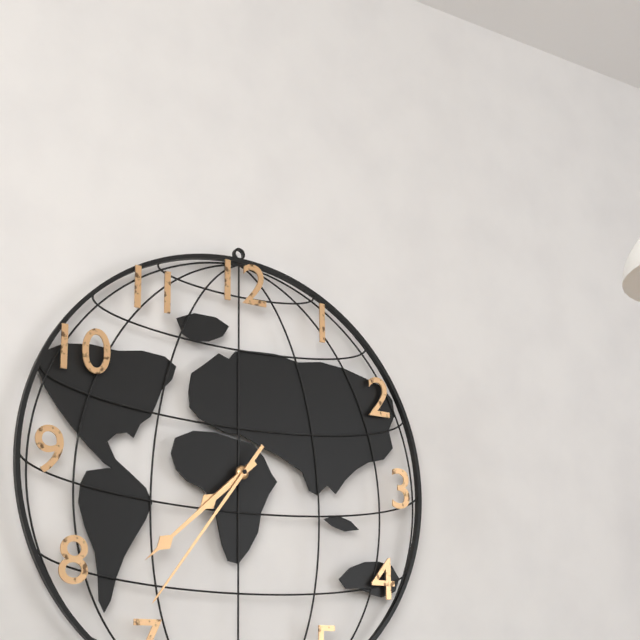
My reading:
7 h 38 min 36 s
